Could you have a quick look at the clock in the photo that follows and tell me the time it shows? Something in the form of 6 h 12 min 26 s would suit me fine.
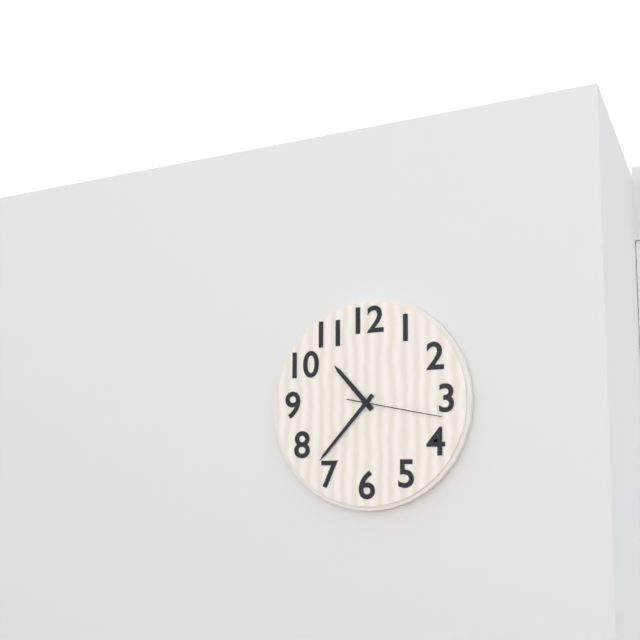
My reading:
10 h 37 min 17 s
